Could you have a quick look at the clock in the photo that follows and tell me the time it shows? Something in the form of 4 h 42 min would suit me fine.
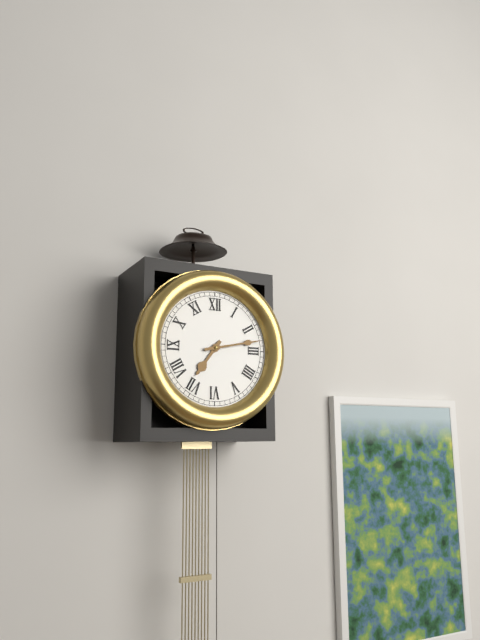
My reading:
7 h 13 min
